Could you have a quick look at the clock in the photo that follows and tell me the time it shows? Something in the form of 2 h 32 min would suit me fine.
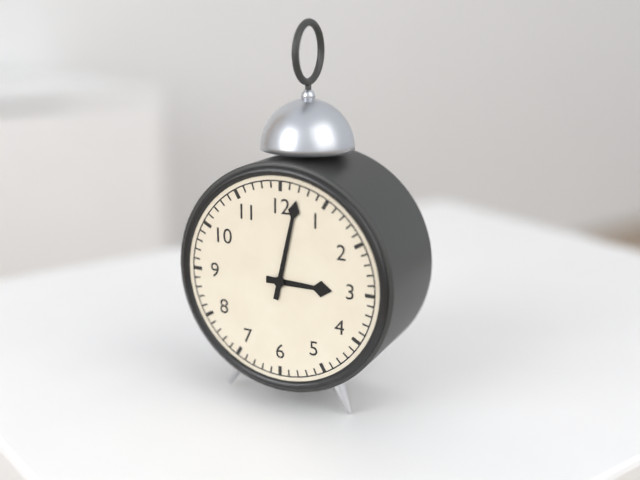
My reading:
3 h 02 min
